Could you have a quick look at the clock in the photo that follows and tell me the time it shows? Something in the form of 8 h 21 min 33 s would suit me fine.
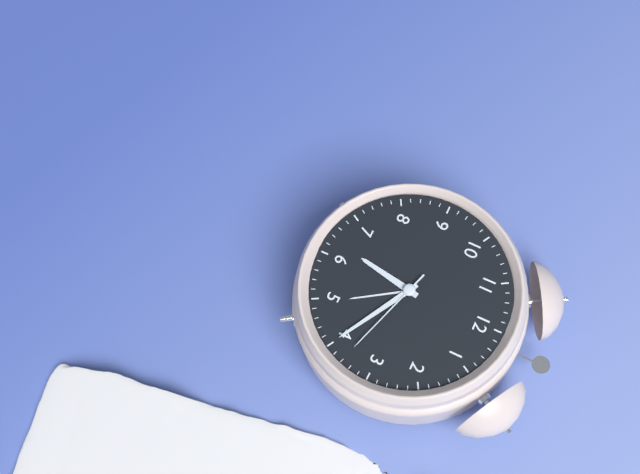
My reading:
6 h 20 min 18 s
